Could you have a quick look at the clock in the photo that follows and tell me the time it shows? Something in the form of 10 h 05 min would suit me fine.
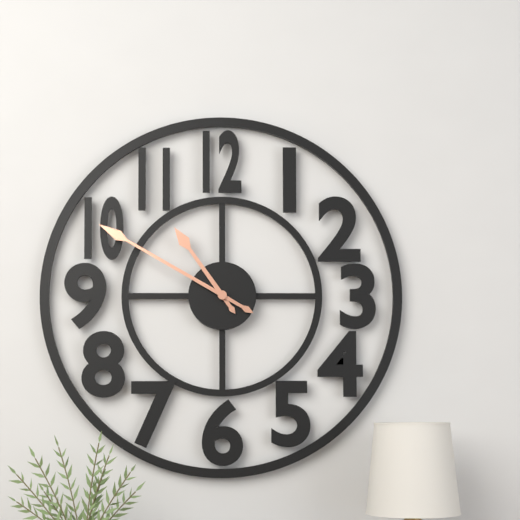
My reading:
10 h 50 min
